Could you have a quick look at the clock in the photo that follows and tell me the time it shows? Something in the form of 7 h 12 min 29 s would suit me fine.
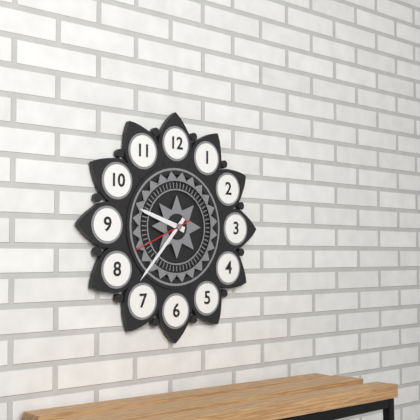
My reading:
9 h 37 min 41 s
